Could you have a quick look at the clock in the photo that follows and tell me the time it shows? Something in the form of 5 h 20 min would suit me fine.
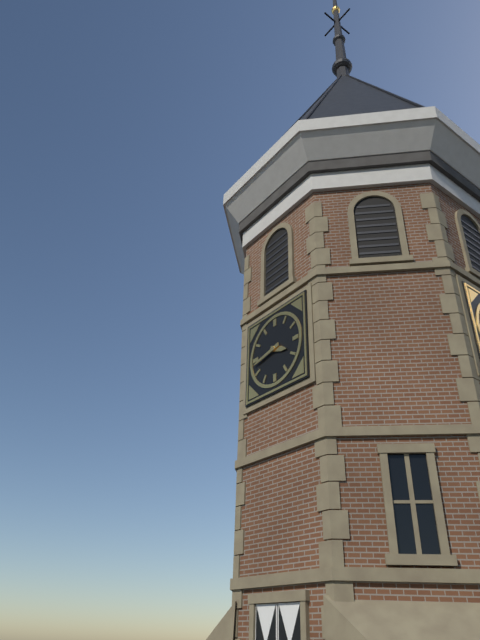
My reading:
3 h 43 min
